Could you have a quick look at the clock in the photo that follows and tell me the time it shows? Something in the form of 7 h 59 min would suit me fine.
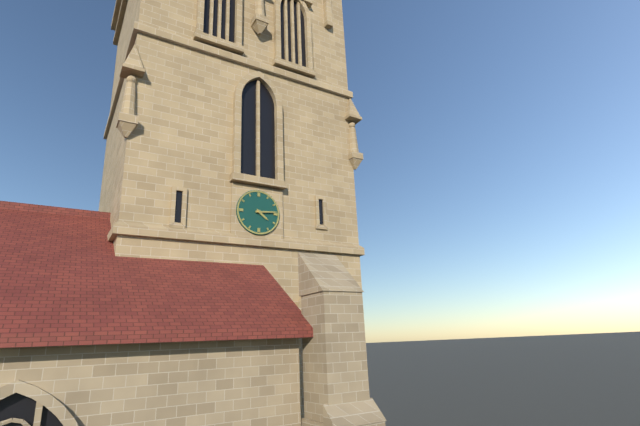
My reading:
4 h 14 min
